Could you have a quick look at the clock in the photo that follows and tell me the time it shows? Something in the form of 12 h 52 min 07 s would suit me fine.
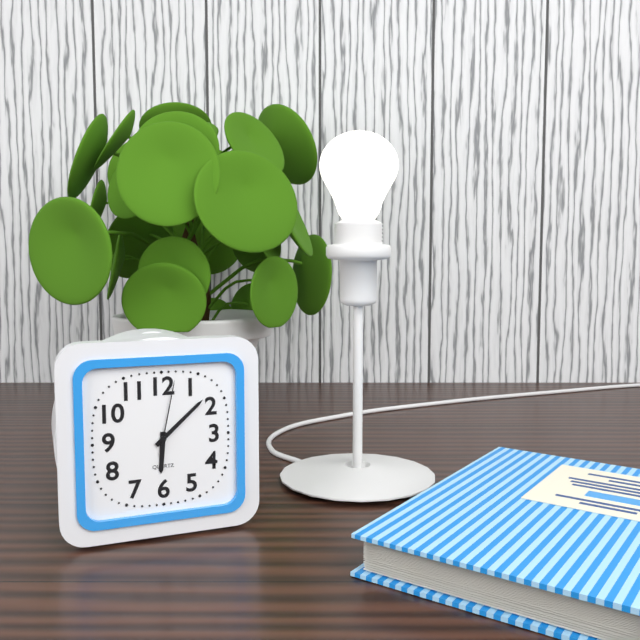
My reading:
6 h 08 min 02 s
